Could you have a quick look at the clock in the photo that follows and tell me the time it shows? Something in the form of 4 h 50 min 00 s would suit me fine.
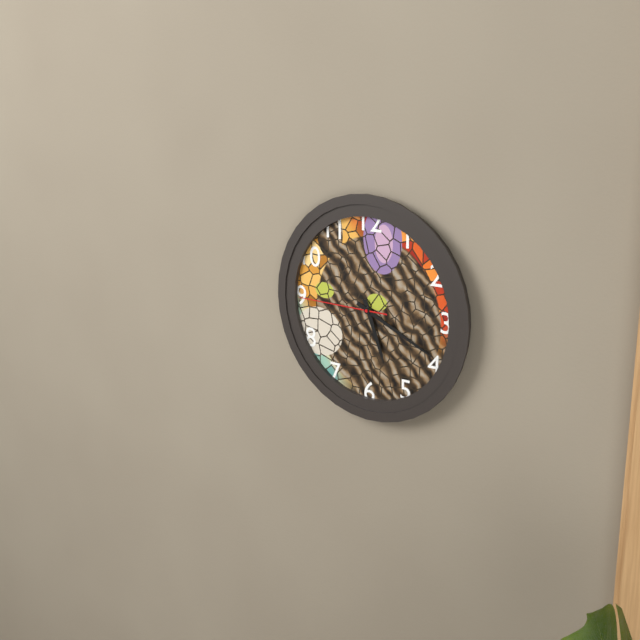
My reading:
5 h 19 min 45 s
